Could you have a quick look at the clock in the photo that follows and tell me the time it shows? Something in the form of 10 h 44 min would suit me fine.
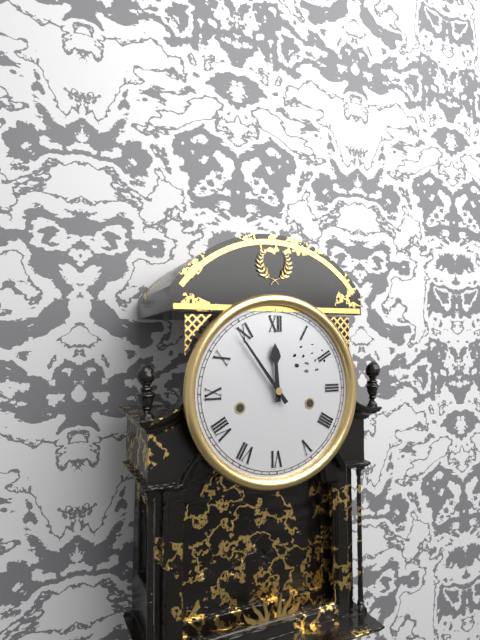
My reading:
11 h 54 min
